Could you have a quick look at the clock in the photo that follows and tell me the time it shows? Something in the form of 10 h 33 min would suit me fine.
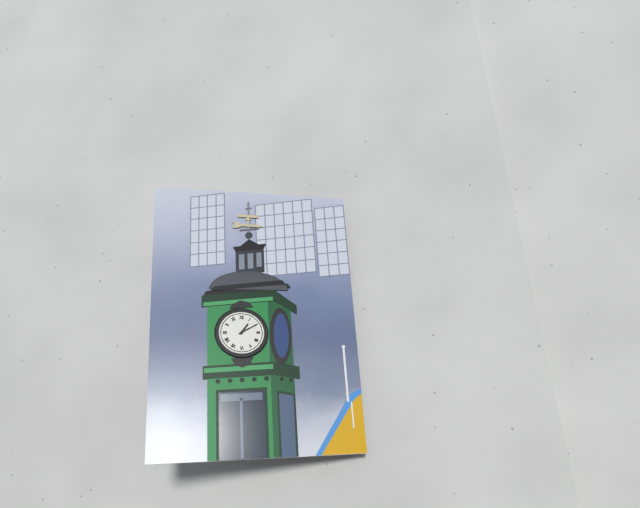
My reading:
1 h 10 min
